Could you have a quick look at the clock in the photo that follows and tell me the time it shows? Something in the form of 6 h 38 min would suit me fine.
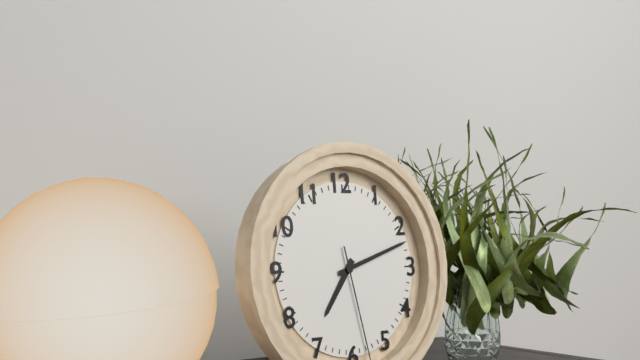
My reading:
7 h 12 min
